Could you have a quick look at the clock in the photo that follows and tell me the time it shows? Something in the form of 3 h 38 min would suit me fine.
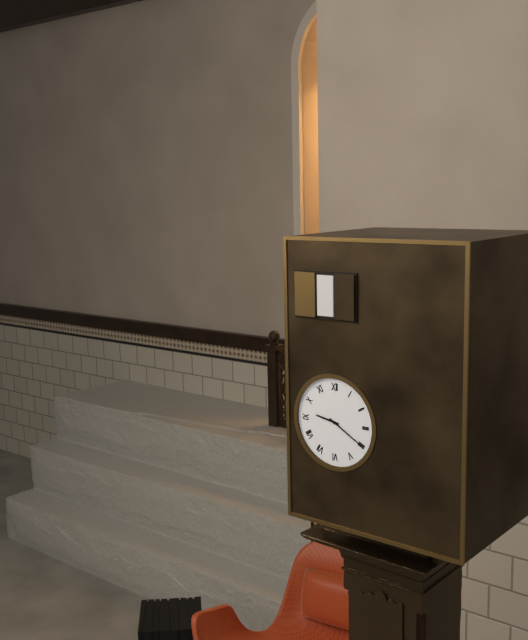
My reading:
9 h 20 min
